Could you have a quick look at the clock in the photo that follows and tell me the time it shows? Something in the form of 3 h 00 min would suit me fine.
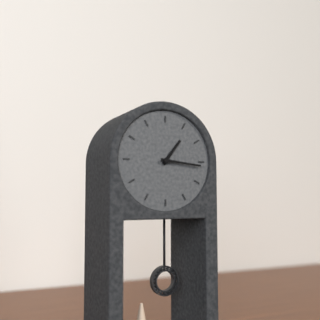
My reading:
1 h 16 min
